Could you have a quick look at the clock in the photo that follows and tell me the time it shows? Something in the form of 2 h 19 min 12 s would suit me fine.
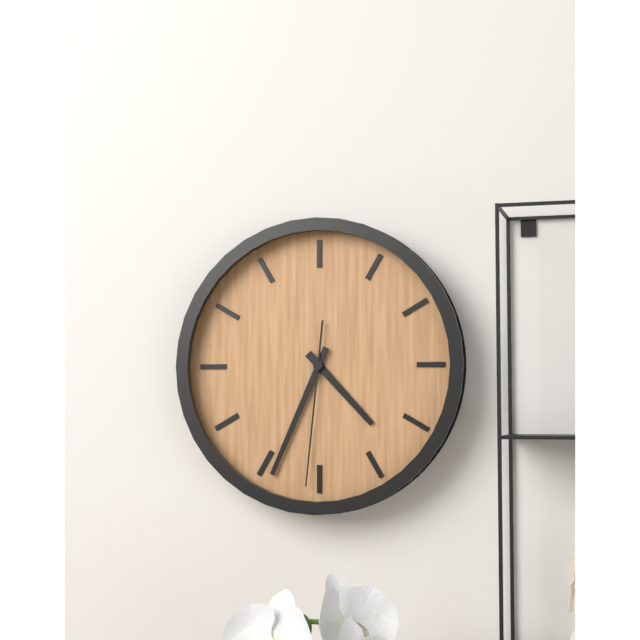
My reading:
4 h 34 min 31 s
